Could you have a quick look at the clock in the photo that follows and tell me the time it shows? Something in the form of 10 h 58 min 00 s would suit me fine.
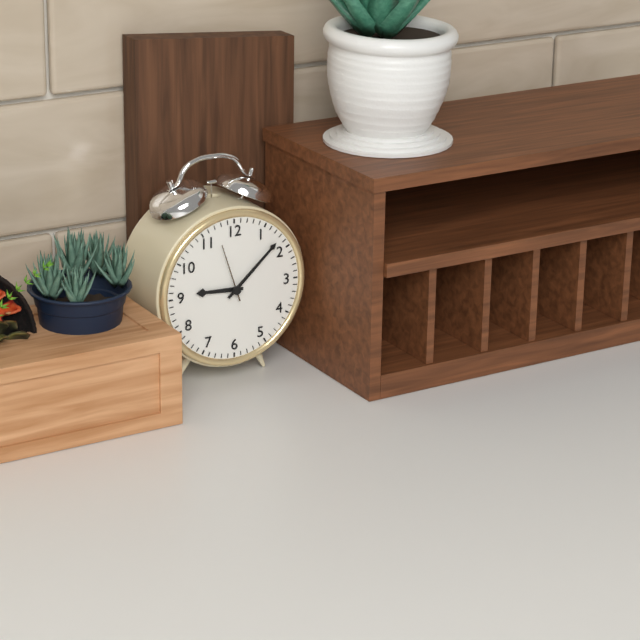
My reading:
9 h 08 min 57 s
